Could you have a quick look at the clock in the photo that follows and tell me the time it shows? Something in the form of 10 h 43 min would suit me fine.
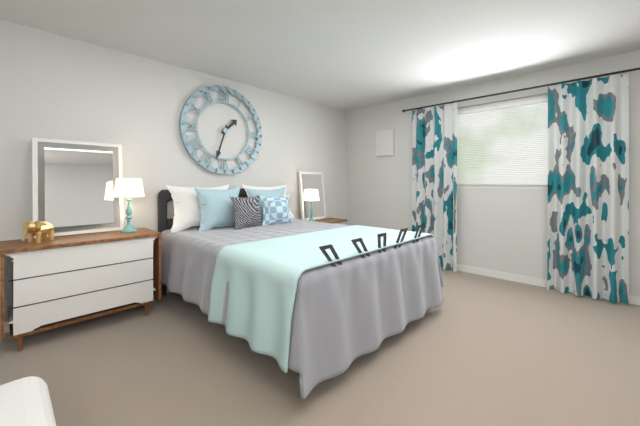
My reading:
1 h 33 min
